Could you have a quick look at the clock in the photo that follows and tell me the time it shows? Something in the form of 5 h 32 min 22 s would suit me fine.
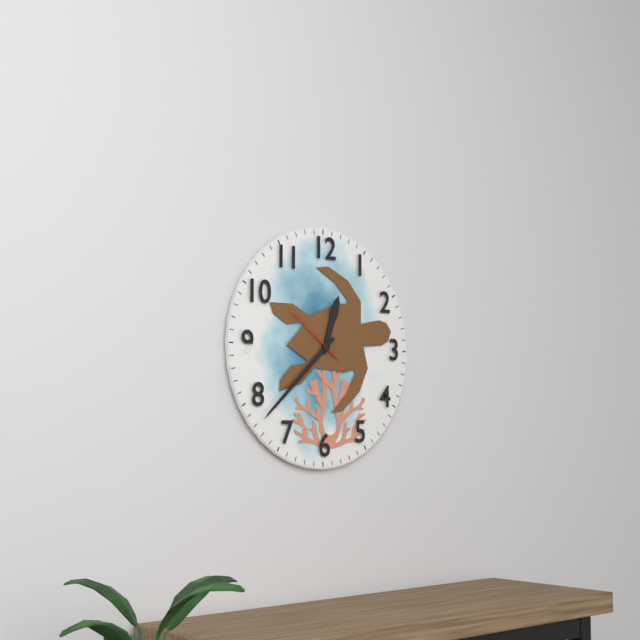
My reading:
12 h 38 min 51 s
